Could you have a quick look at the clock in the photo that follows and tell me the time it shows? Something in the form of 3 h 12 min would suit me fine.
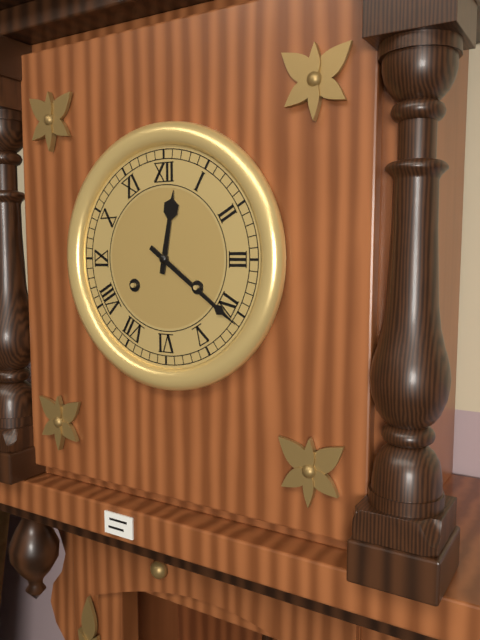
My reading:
12 h 21 min
